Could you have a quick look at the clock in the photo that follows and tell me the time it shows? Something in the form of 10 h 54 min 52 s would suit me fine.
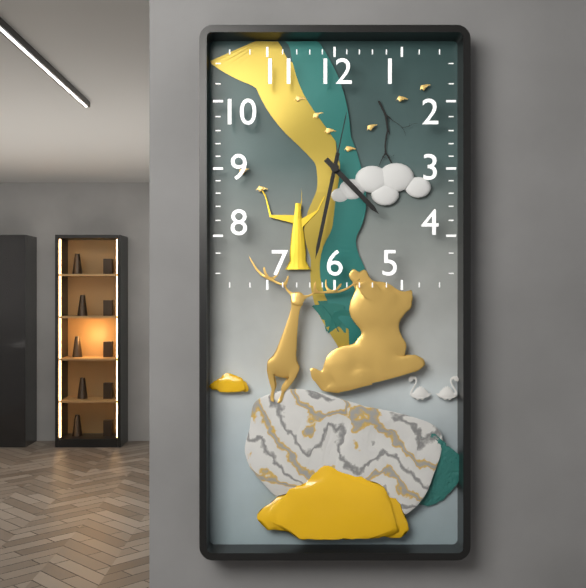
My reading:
4 h 32 min 02 s
